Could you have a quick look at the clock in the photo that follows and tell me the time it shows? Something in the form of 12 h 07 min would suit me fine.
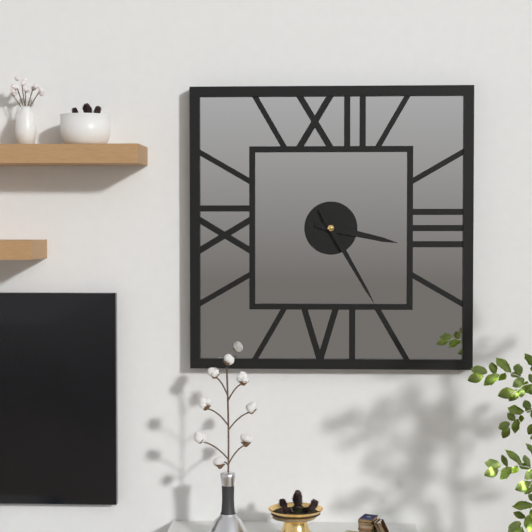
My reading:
3 h 25 min
